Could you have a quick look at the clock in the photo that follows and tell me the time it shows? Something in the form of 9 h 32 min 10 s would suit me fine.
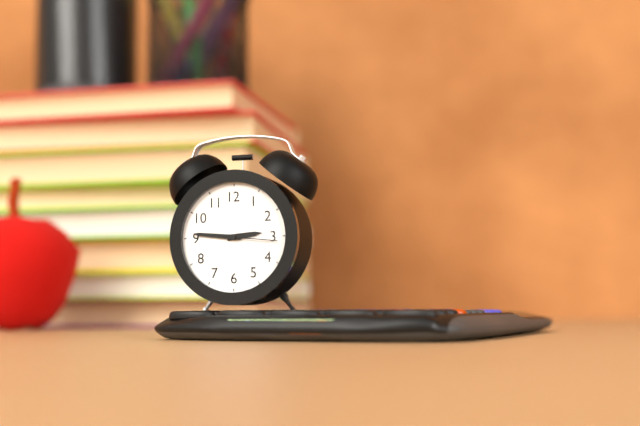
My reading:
2 h 46 min 16 s
